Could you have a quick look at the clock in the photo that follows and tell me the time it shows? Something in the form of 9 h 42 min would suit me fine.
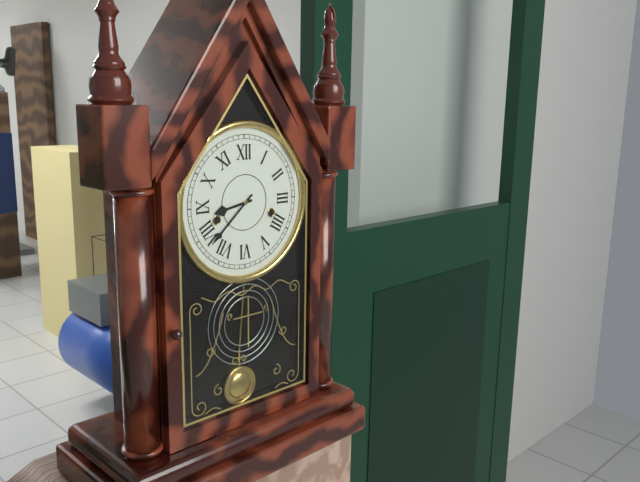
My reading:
8 h 38 min
